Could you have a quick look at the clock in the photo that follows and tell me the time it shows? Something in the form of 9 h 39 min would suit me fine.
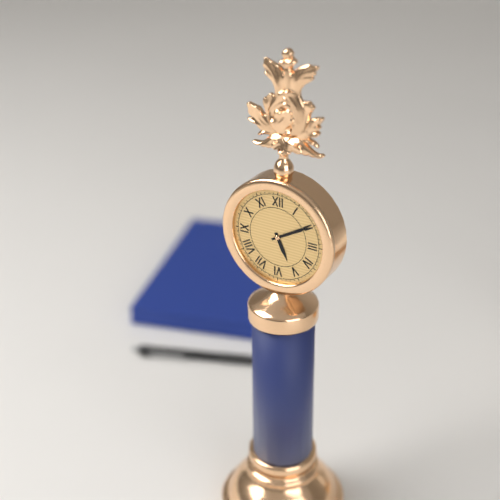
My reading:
5 h 10 min
